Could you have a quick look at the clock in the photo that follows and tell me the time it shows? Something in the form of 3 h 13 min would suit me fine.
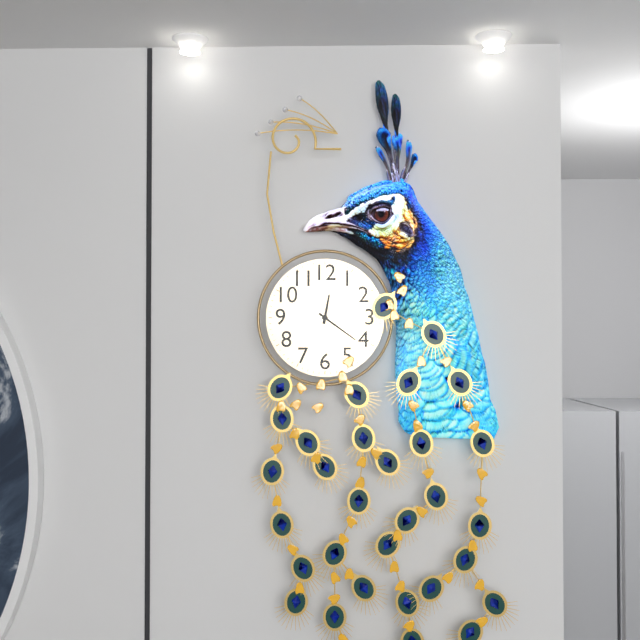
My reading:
12 h 21 min
